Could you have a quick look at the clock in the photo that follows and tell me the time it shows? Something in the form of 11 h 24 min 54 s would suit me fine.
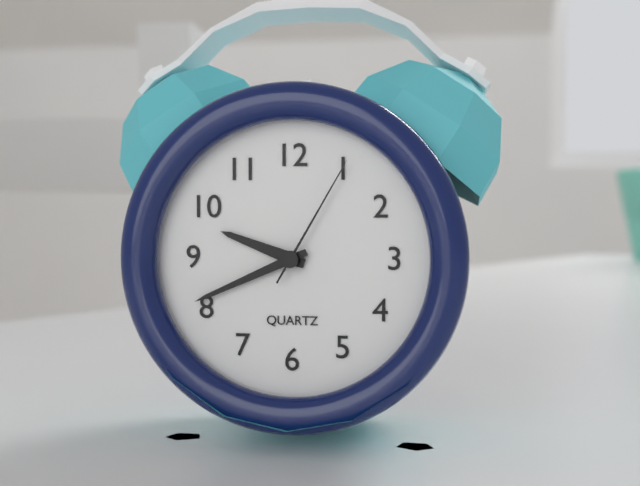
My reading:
9 h 41 min 05 s
